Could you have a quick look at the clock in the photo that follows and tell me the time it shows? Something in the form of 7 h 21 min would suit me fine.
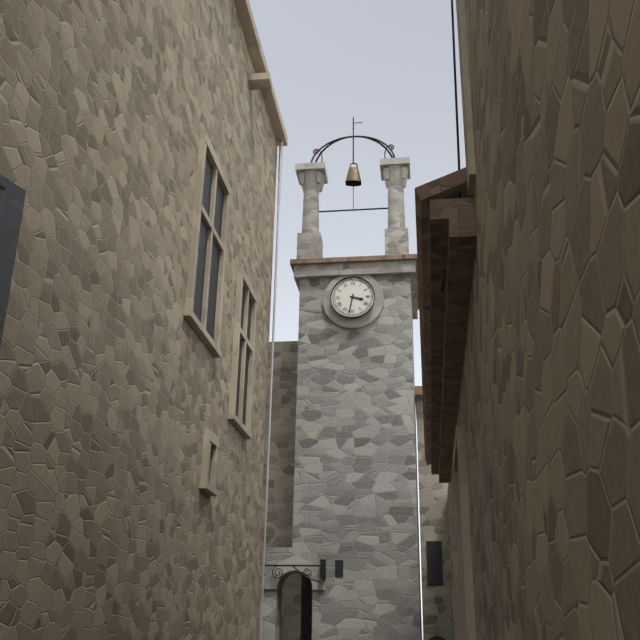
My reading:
3 h 32 min
